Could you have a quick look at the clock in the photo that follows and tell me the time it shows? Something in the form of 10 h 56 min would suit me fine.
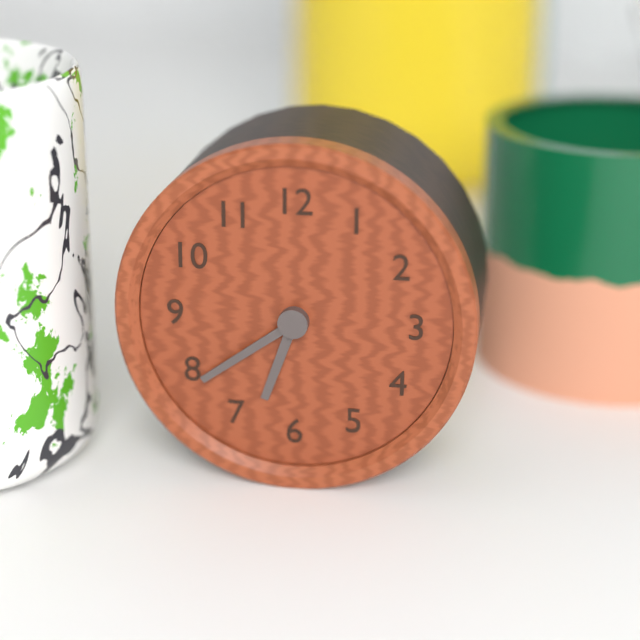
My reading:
6 h 39 min
